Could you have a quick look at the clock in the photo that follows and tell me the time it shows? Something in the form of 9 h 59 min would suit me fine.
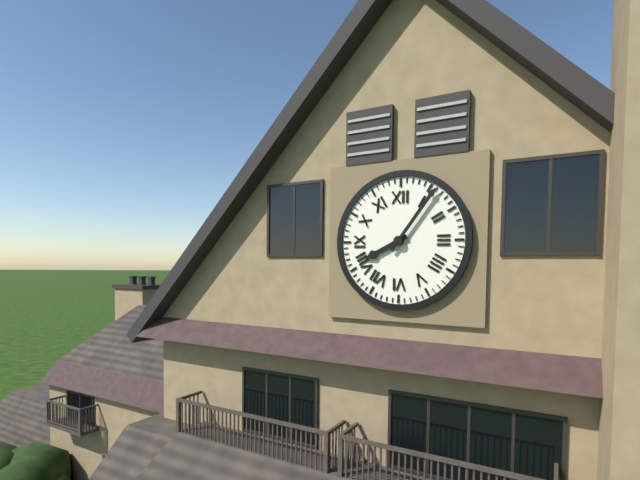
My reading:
8 h 06 min
